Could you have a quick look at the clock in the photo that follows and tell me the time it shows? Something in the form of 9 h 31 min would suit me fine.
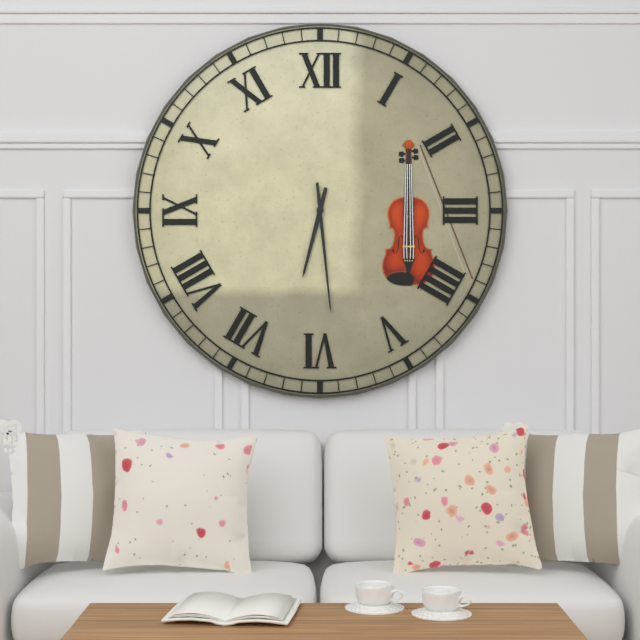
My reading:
6 h 29 min
